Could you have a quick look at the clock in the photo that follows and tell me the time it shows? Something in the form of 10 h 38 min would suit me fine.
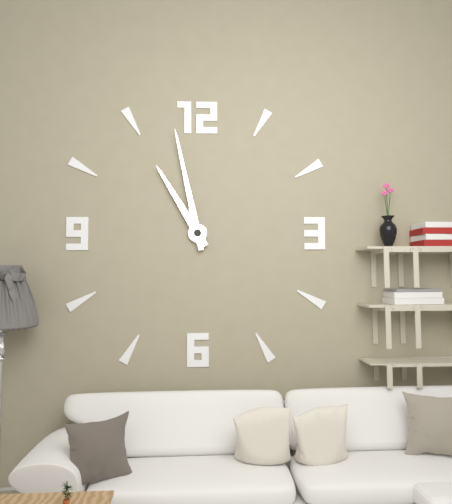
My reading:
10 h 58 min
